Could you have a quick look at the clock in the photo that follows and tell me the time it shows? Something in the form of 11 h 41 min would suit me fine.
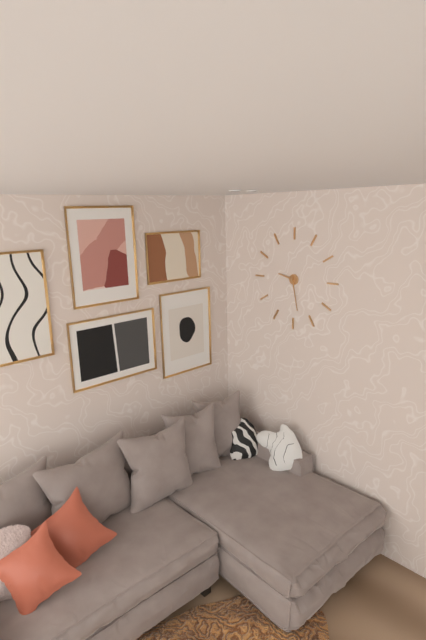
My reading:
9 h 28 min
